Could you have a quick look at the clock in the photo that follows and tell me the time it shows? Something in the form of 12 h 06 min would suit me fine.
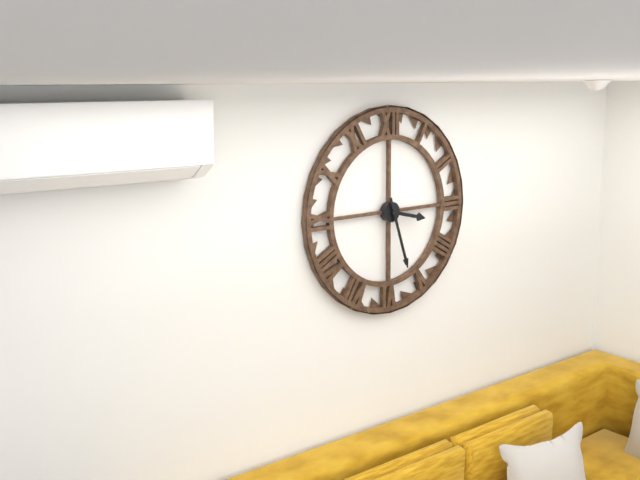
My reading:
3 h 27 min
